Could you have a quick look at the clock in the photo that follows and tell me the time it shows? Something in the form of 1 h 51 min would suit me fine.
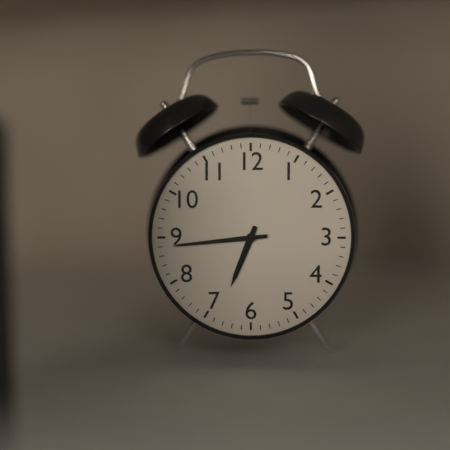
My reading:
6 h 44 min
